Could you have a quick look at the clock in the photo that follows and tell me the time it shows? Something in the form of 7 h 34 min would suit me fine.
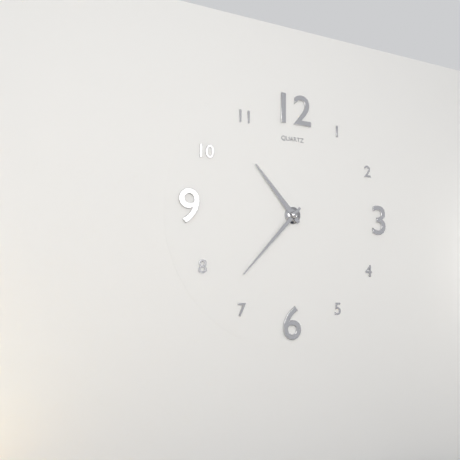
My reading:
10 h 37 min
